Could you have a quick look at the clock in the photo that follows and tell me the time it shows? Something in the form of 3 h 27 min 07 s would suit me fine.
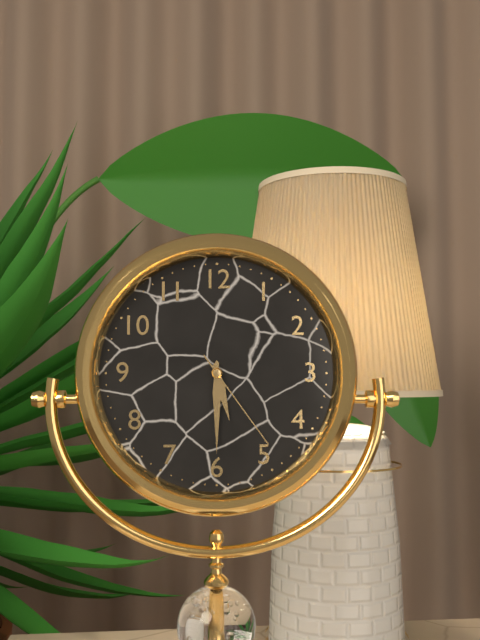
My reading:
5 h 30 min 24 s
